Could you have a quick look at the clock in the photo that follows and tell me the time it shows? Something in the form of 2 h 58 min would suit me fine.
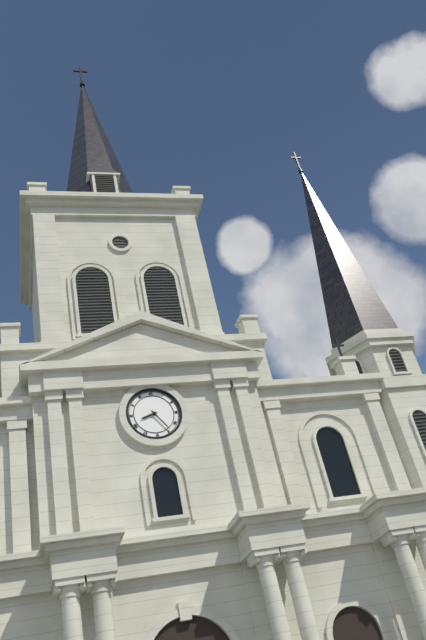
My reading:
8 h 24 min
